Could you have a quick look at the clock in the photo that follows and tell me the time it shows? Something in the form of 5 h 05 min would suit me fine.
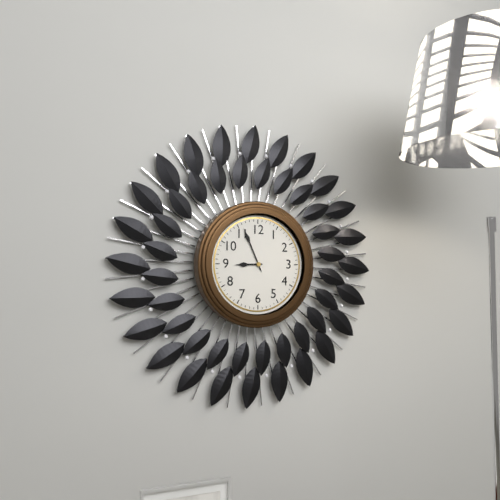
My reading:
8 h 56 min
